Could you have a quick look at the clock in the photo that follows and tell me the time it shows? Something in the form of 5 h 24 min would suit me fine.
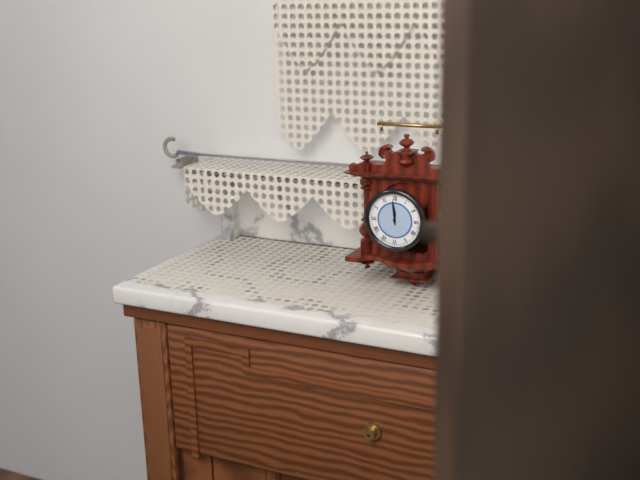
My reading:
11 h 59 min
